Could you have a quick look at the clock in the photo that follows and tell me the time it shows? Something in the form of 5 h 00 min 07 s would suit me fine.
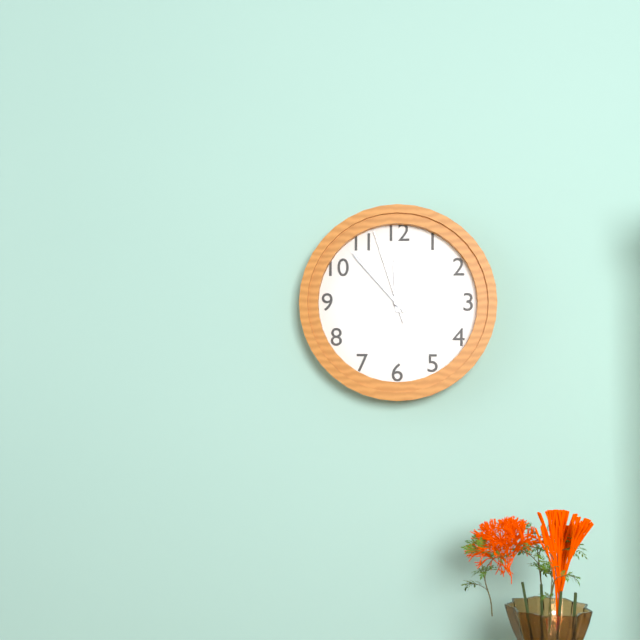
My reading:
11 h 53 min 57 s
